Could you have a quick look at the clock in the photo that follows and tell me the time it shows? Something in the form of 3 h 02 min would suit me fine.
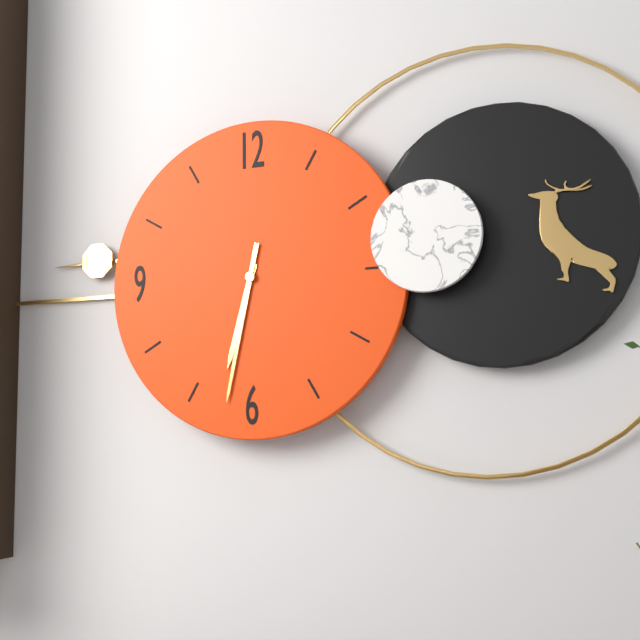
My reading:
6 h 32 min
